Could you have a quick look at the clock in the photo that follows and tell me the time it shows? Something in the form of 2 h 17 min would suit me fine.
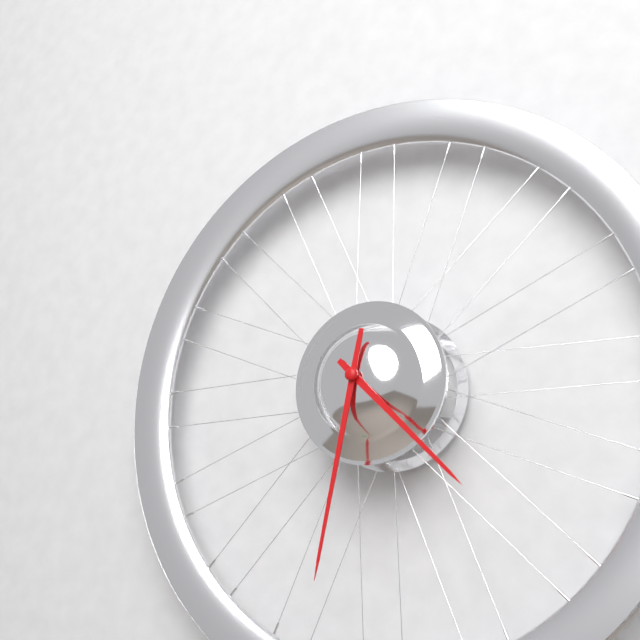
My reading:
4 h 32 min
